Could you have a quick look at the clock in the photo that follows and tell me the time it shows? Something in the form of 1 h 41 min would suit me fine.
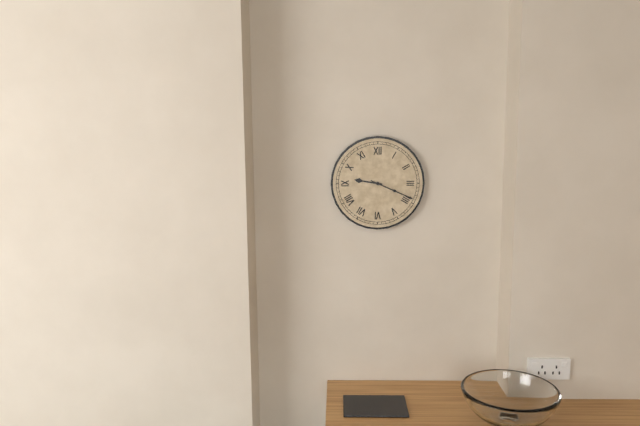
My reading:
9 h 19 min
